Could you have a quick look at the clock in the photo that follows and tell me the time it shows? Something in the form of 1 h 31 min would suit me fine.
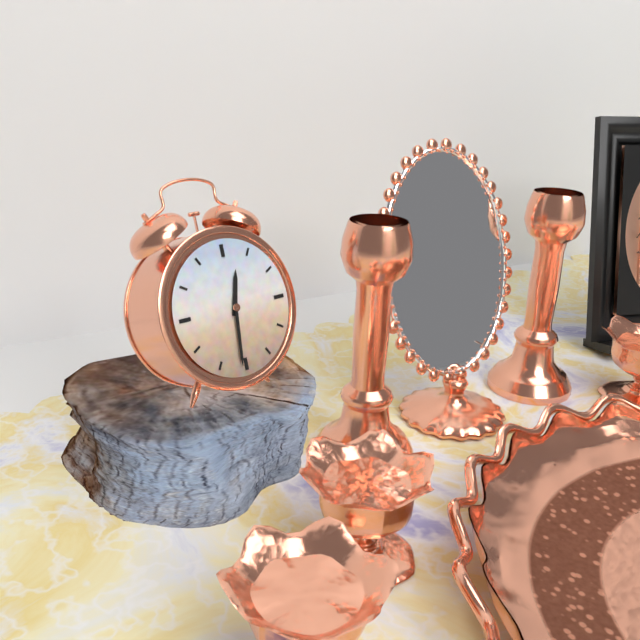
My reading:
12 h 31 min
